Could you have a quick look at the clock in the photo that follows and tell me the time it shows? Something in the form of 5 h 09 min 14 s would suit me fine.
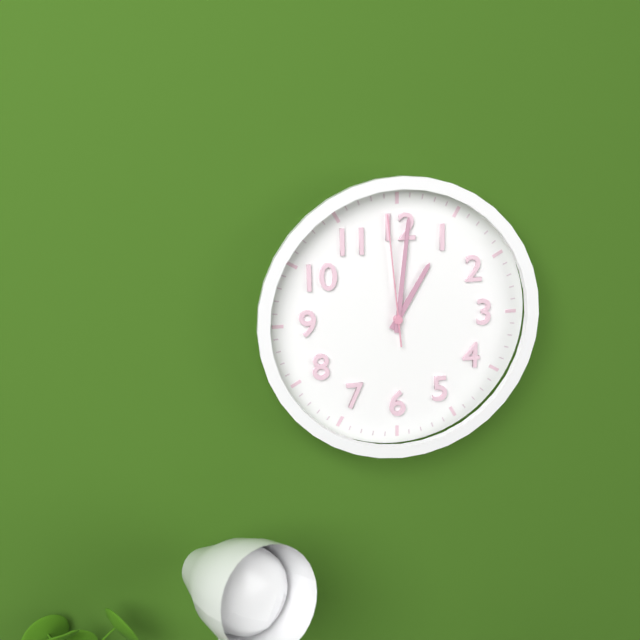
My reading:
1 h 01 min 59 s
